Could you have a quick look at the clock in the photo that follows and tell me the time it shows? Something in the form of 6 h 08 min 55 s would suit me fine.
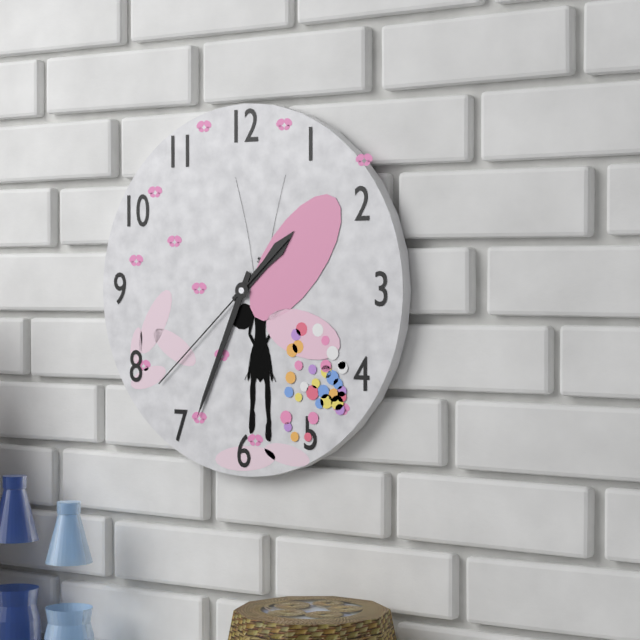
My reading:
1 h 34 min 38 s
